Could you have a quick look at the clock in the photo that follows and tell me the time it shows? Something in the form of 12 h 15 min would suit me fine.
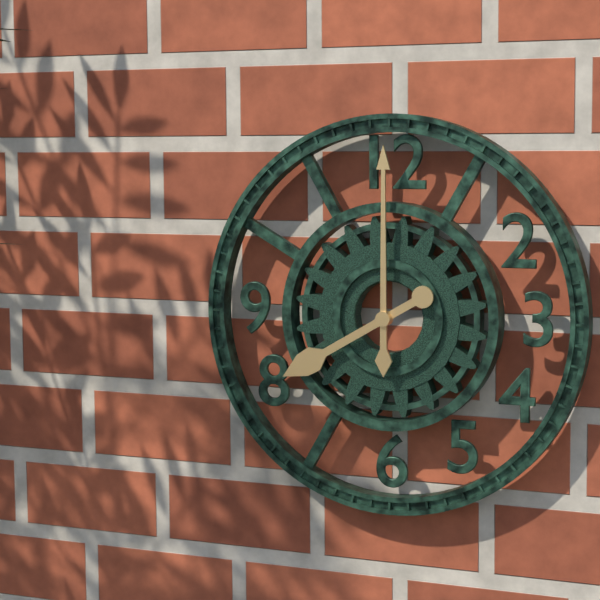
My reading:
8 h 00 min
